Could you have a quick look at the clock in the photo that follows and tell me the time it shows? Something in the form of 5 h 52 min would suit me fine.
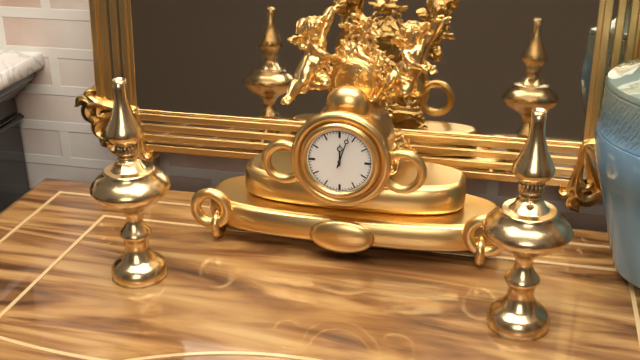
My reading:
12 h 03 min
